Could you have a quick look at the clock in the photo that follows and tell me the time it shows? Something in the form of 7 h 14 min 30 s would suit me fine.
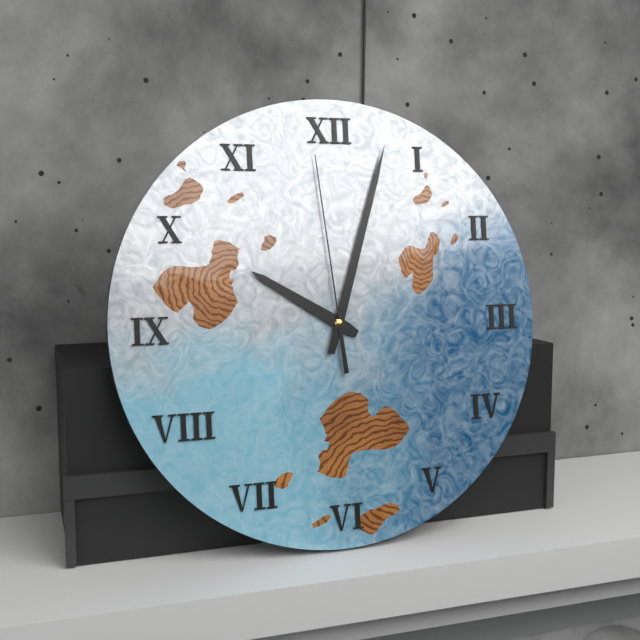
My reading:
10 h 03 min 59 s
